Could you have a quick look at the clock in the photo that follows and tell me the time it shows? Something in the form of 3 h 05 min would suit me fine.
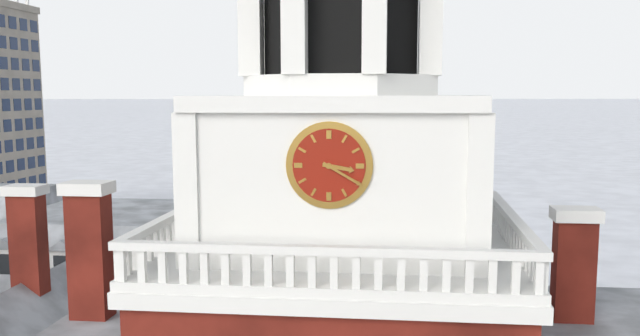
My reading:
3 h 20 min
